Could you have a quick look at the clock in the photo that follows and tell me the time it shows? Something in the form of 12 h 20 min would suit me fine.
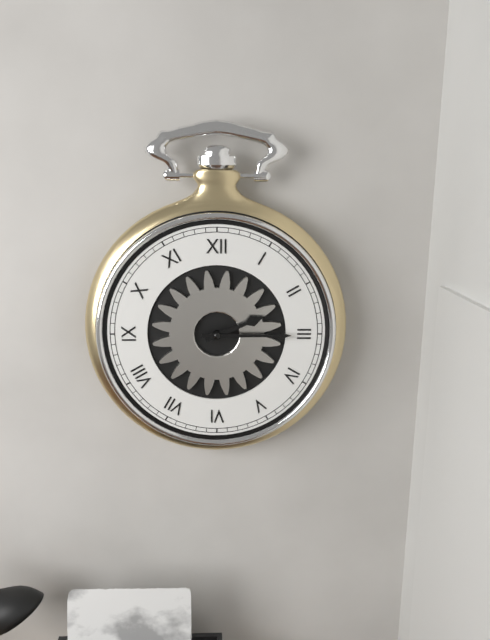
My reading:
2 h 15 min
